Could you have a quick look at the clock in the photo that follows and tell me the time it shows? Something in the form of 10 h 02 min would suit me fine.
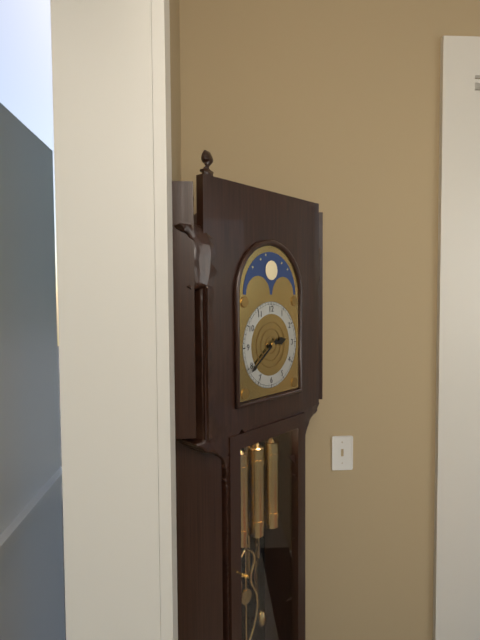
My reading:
2 h 39 min
